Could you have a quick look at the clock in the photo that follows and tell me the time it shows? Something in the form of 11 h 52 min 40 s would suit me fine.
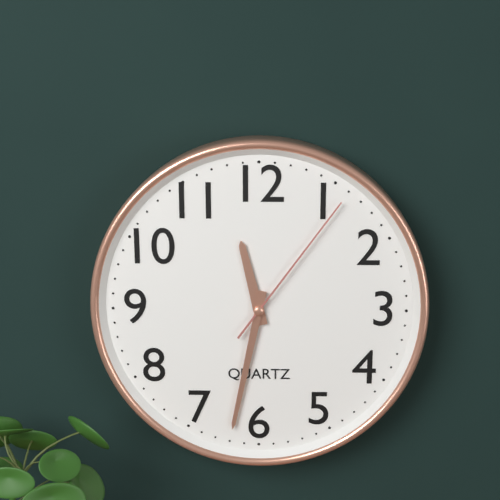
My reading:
11 h 32 min 06 s
